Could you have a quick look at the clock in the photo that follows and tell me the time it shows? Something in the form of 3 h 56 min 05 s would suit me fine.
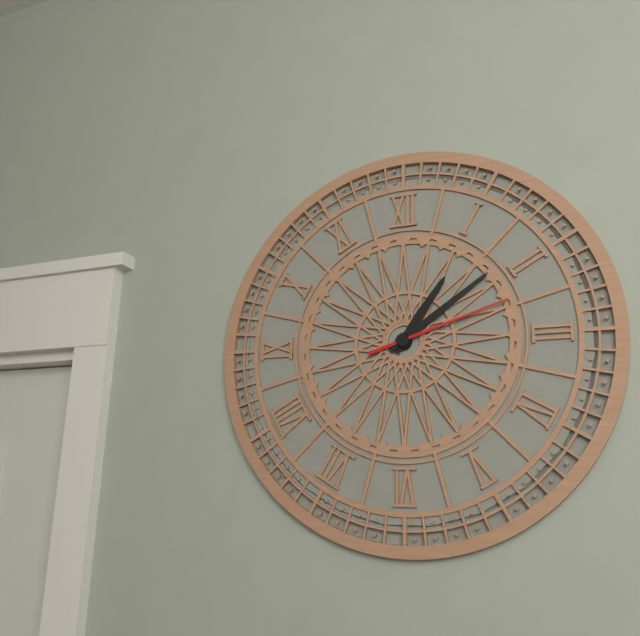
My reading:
1 h 09 min 12 s
